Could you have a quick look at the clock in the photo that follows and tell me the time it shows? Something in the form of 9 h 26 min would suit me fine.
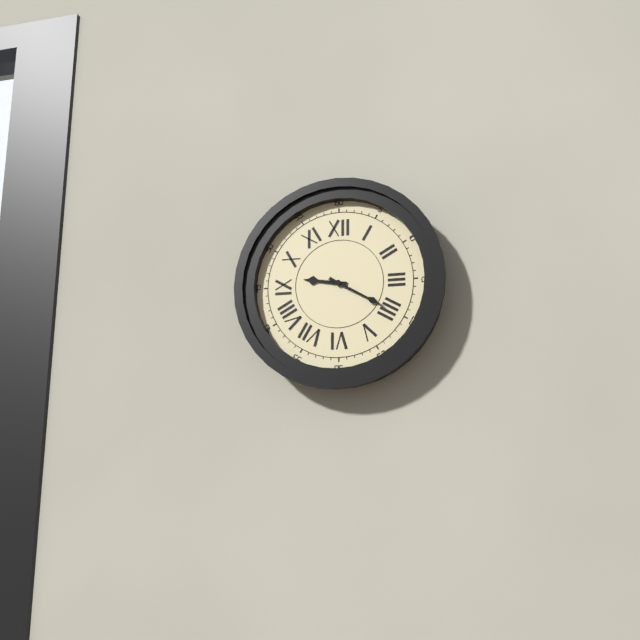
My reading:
9 h 20 min
